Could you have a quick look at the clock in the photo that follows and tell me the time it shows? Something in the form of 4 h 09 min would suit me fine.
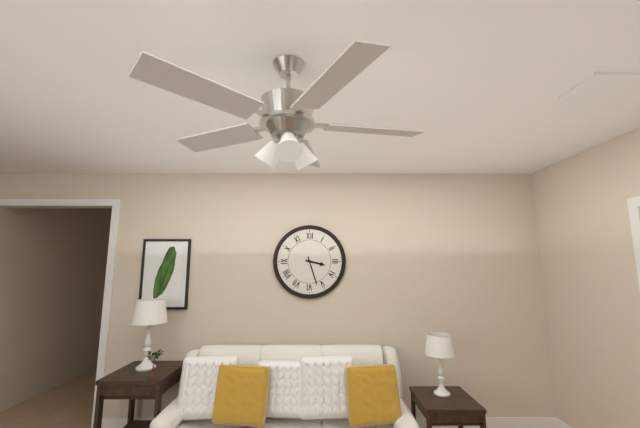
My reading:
3 h 27 min
